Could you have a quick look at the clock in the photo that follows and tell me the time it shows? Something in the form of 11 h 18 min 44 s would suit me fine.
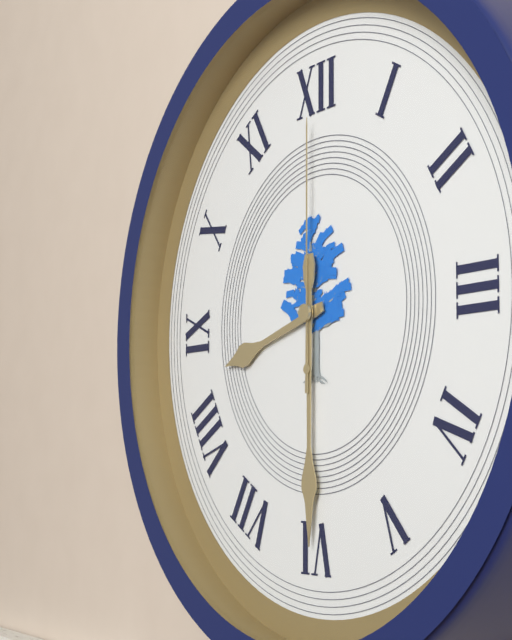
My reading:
8 h 30 min 00 s
